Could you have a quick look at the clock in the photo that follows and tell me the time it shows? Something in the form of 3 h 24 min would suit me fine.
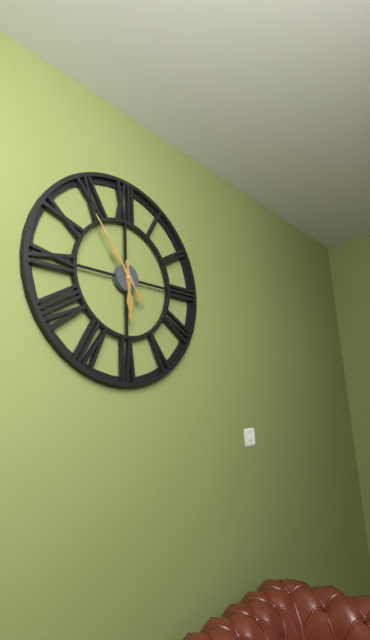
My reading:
5 h 54 min
